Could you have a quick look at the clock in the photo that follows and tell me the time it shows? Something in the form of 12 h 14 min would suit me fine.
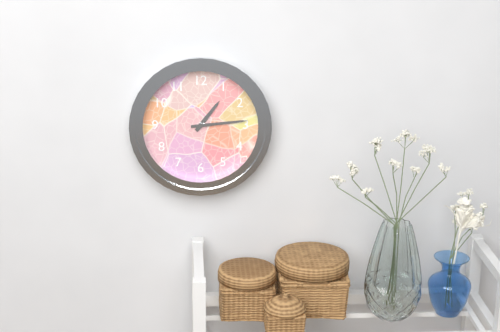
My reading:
1 h 14 min
